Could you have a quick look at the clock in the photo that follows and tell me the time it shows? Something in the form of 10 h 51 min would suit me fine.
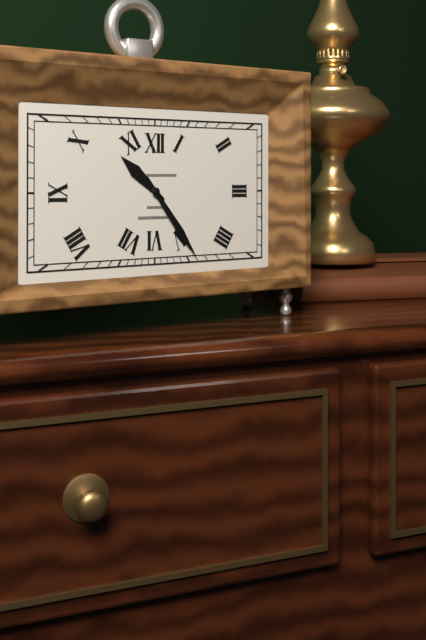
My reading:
10 h 24 min
